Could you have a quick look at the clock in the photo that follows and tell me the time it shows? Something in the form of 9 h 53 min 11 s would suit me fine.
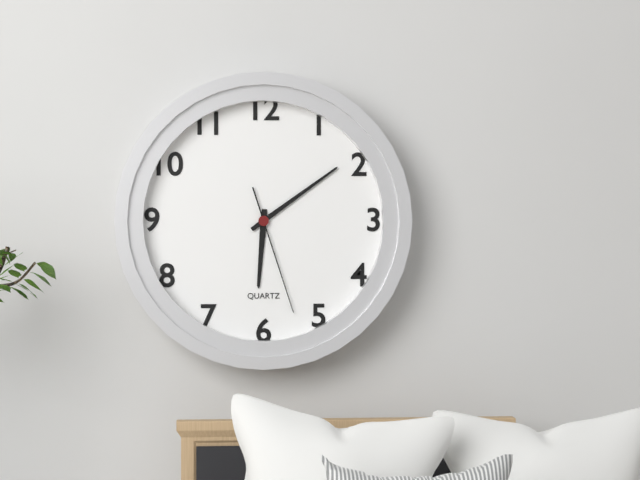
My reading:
6 h 09 min 27 s
